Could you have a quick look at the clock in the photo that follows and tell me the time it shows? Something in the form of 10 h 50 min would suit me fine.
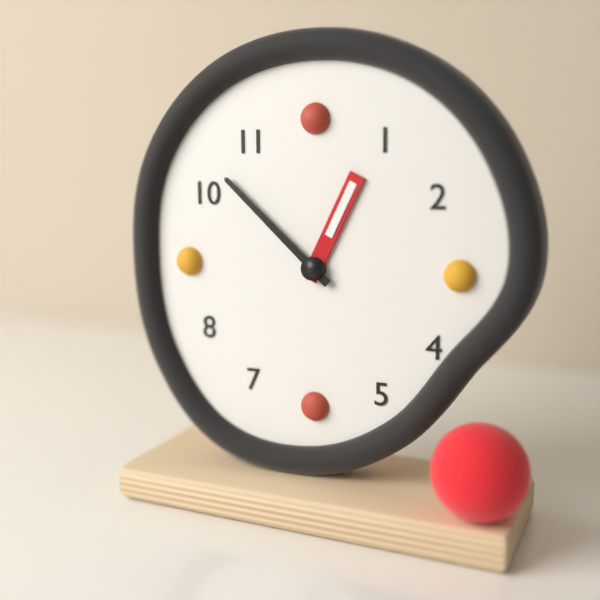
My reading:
12 h 52 min
